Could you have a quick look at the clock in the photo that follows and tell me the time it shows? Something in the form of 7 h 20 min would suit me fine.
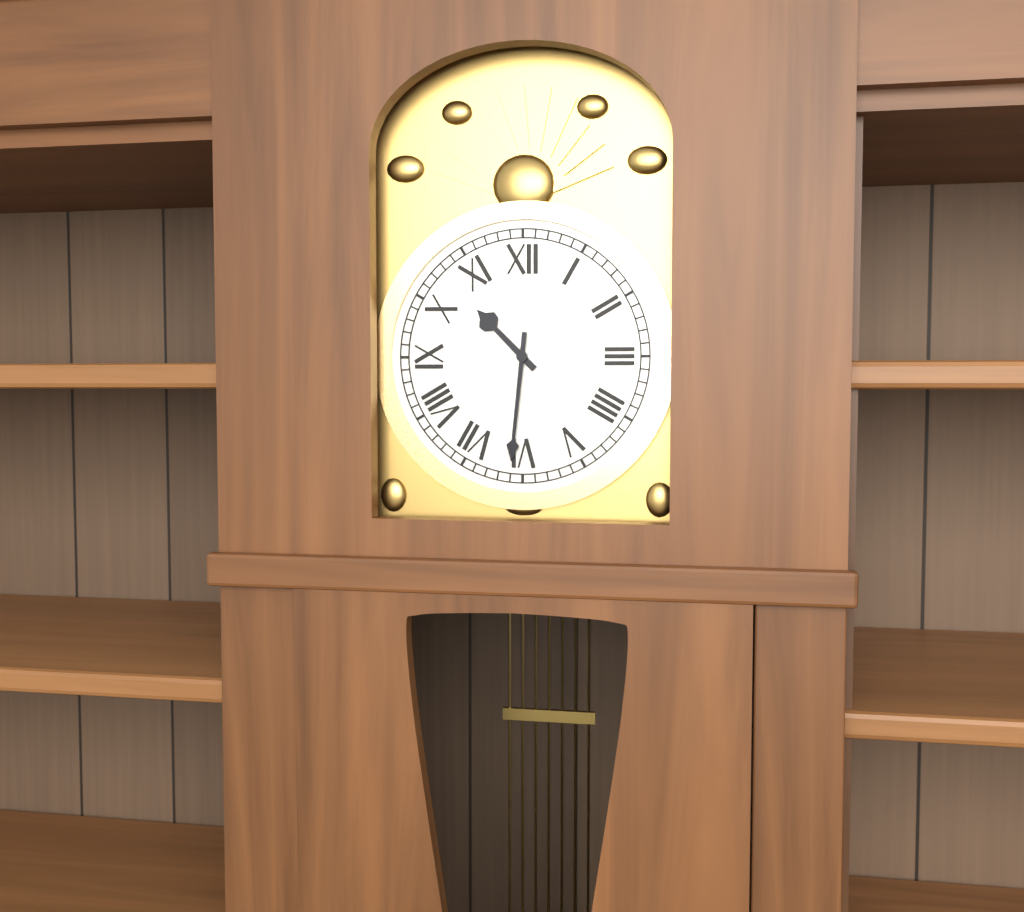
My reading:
10 h 31 min
